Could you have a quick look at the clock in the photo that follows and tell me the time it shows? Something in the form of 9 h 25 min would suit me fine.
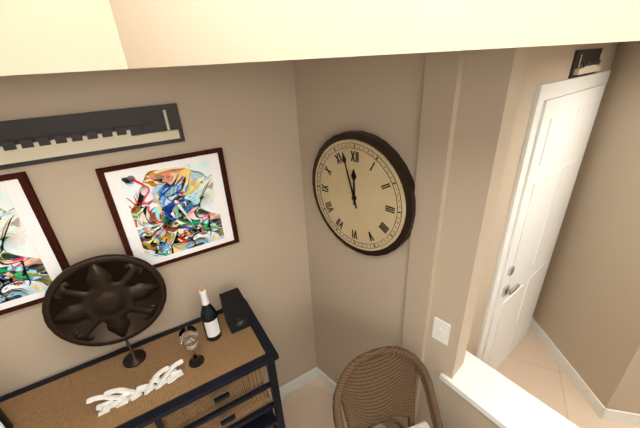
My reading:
11 h 57 min
